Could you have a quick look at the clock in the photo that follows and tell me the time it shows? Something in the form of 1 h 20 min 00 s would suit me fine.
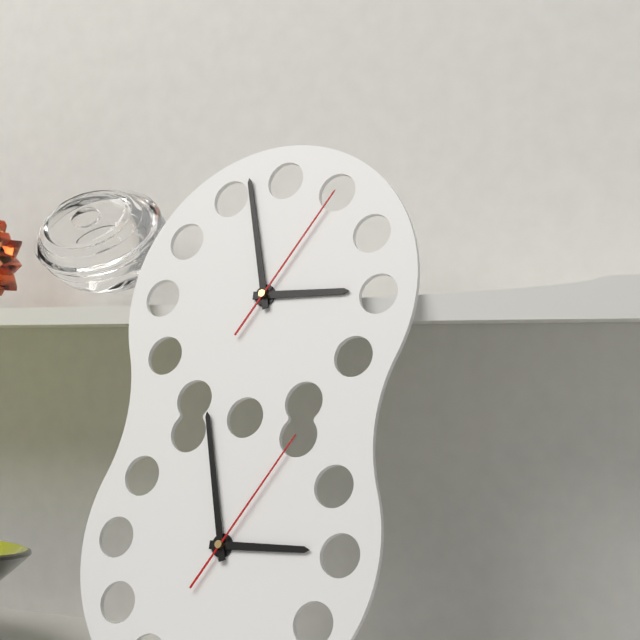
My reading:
2 h 57 min 05 s
